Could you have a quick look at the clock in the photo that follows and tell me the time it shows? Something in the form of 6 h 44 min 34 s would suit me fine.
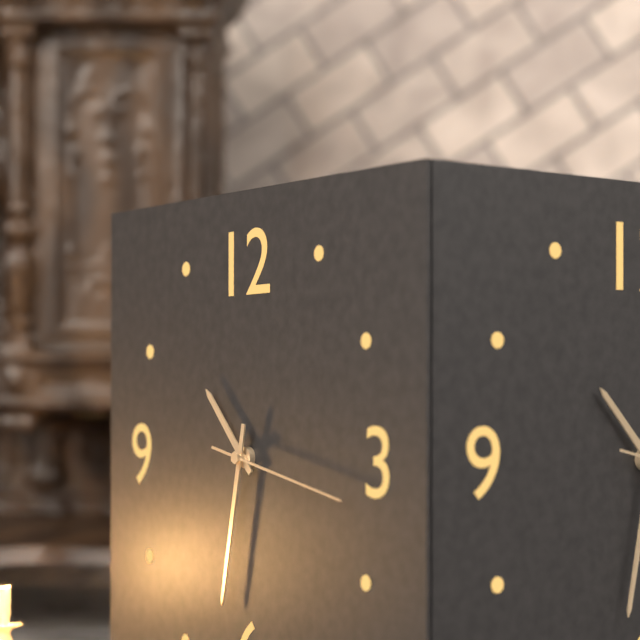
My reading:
10 h 32 min 17 s
